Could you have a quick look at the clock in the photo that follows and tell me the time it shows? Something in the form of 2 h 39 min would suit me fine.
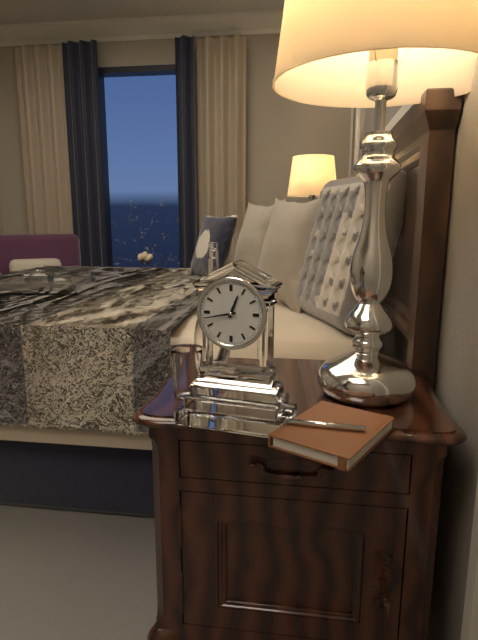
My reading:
12 h 43 min
